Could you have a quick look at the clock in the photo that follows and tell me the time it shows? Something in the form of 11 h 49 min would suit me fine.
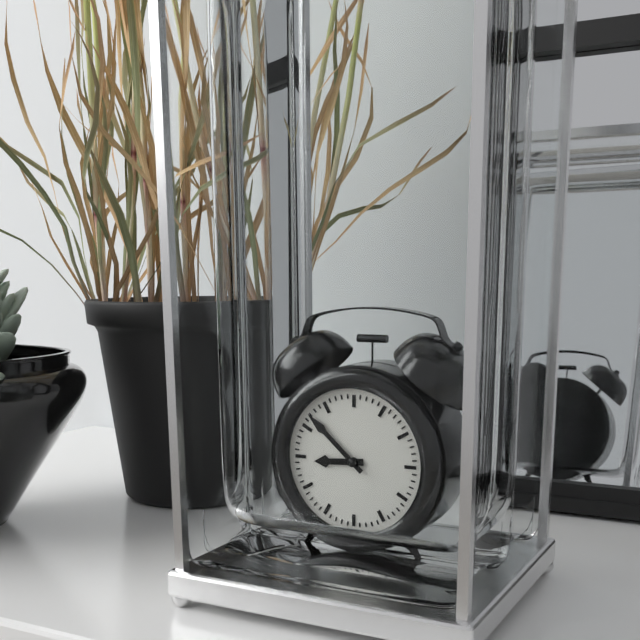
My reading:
8 h 52 min
